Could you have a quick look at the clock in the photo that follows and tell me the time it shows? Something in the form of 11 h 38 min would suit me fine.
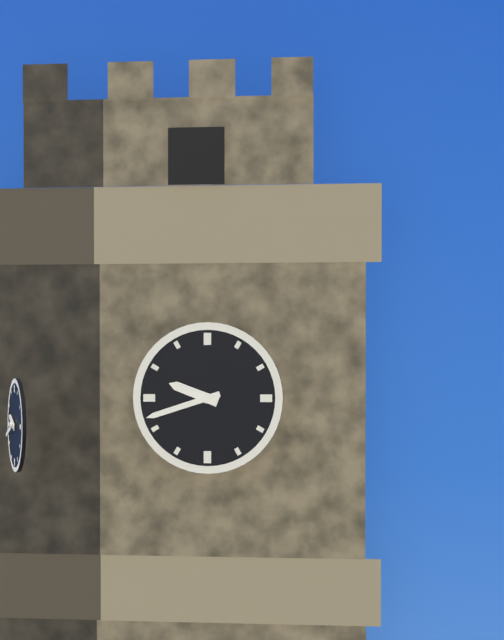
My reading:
9 h 42 min
